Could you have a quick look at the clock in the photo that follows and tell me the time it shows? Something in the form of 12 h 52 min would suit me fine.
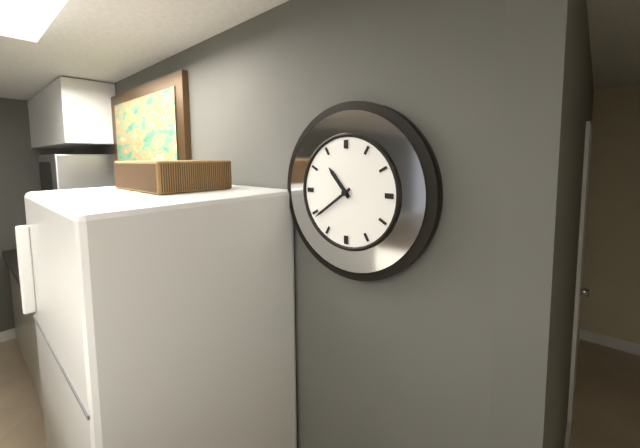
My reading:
10 h 39 min
